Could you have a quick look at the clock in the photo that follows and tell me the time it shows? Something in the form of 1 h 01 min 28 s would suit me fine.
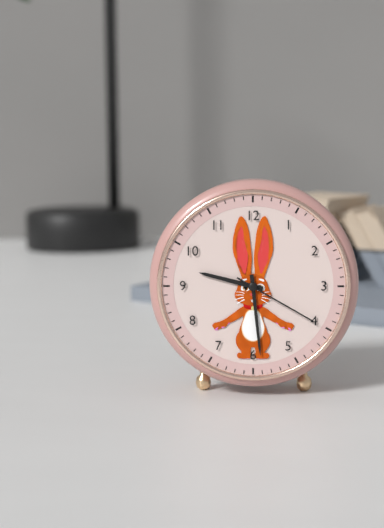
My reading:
9 h 29 min 20 s
